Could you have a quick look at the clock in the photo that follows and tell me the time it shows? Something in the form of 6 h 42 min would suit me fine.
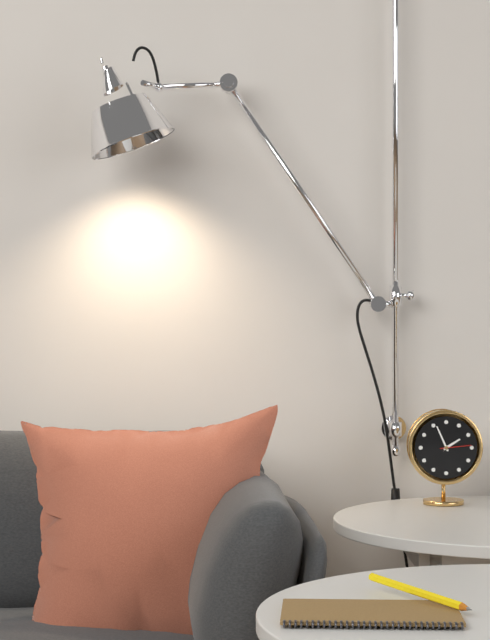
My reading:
1 h 56 min
